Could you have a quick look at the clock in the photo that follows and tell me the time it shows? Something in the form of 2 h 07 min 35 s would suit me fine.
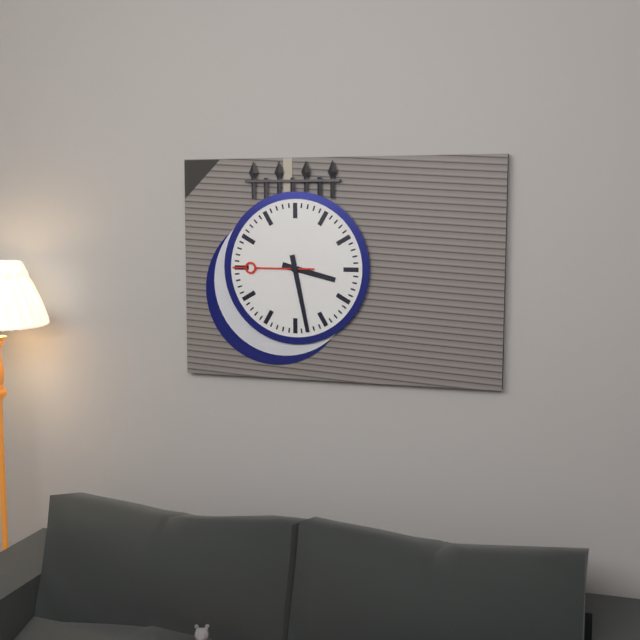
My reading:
3 h 28 min 45 s
